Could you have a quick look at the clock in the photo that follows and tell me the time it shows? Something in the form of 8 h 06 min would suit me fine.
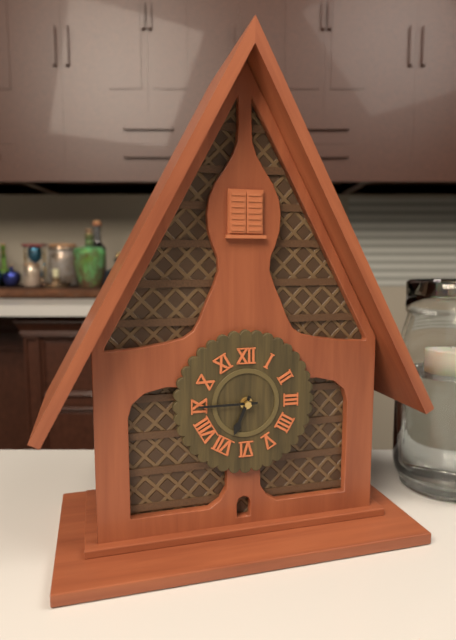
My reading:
6 h 45 min
